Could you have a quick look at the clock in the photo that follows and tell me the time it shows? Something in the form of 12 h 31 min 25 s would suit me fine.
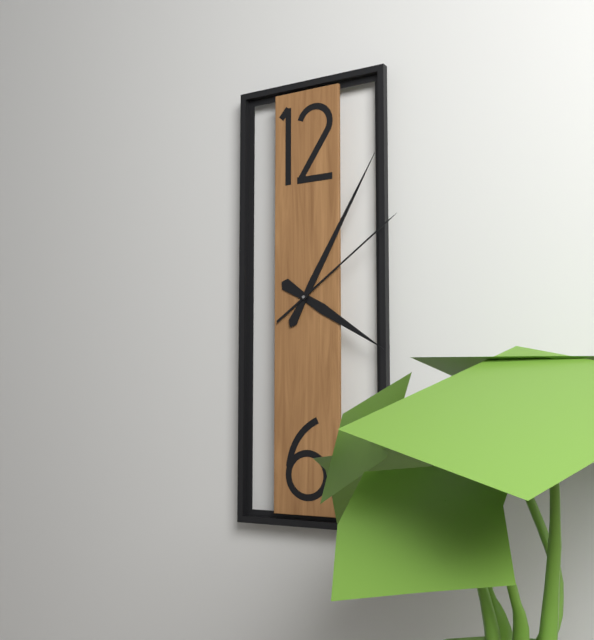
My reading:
4 h 05 min 09 s
